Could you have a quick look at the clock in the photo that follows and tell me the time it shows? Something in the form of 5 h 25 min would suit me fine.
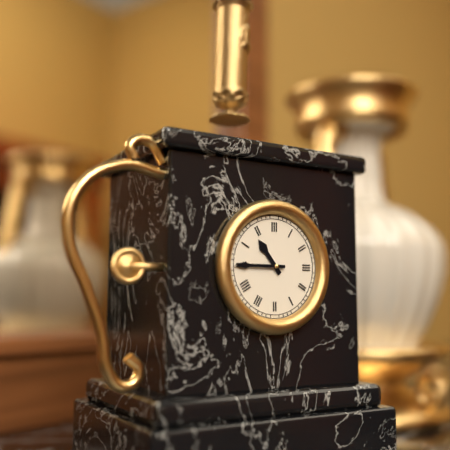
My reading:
10 h 45 min
